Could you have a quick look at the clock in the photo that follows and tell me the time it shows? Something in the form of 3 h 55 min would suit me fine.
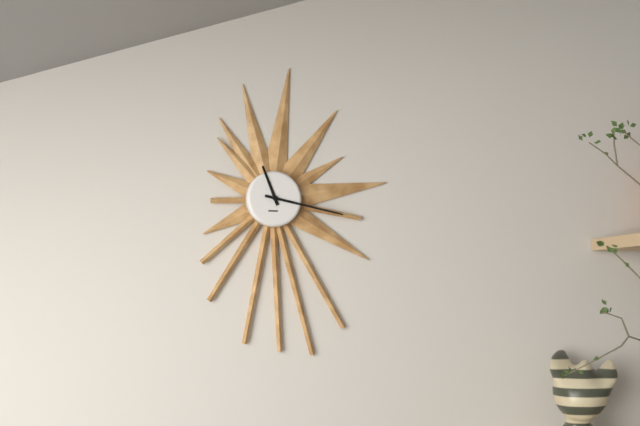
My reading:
11 h 17 min
